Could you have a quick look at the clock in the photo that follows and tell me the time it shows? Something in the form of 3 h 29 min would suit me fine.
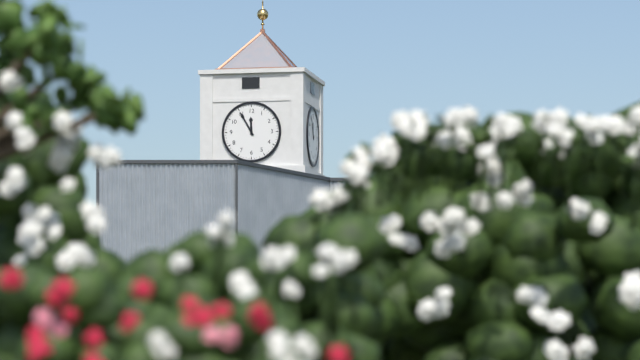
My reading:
11 h 55 min
